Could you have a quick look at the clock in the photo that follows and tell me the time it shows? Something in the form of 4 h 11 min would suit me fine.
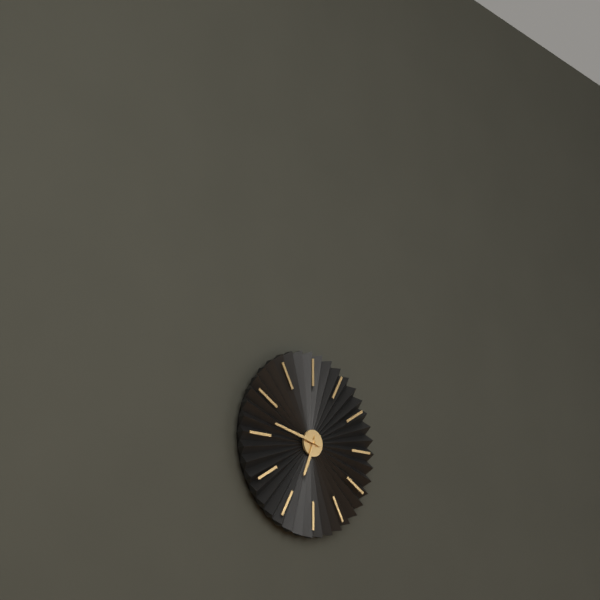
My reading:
6 h 47 min
